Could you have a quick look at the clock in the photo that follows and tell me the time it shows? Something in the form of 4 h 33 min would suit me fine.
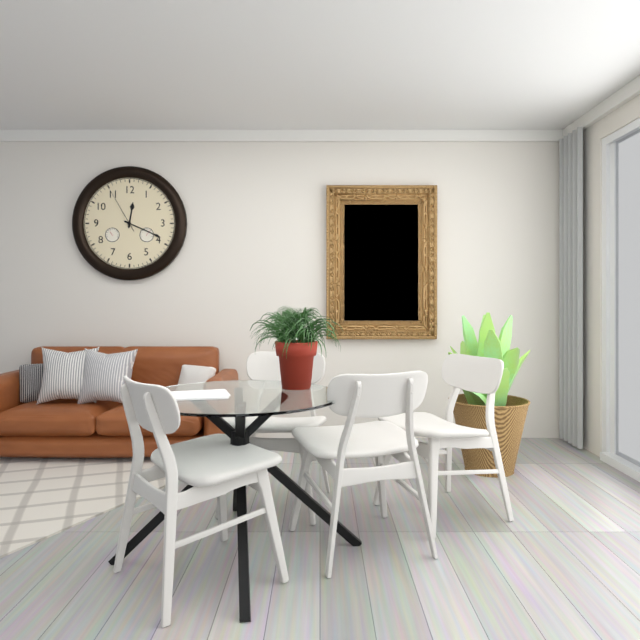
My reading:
12 h 19 min
